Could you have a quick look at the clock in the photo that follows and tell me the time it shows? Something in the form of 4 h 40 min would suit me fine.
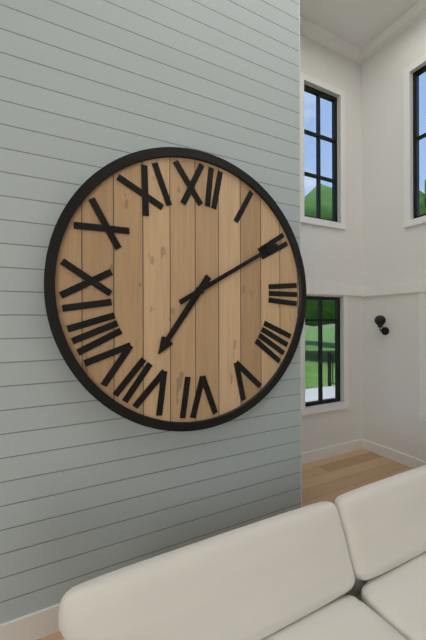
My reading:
7 h 10 min
